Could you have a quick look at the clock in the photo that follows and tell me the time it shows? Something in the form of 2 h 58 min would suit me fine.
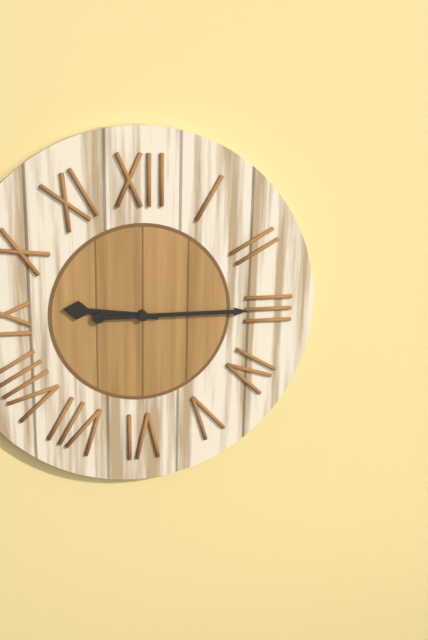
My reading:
9 h 15 min
